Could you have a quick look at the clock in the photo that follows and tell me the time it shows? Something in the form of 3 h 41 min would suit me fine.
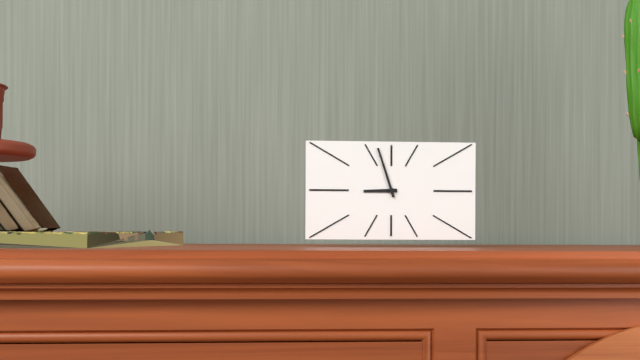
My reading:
8 h 57 min
